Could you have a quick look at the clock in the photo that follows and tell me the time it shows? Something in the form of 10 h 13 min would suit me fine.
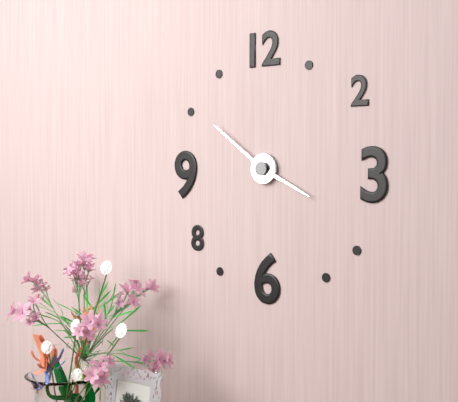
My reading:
3 h 51 min
